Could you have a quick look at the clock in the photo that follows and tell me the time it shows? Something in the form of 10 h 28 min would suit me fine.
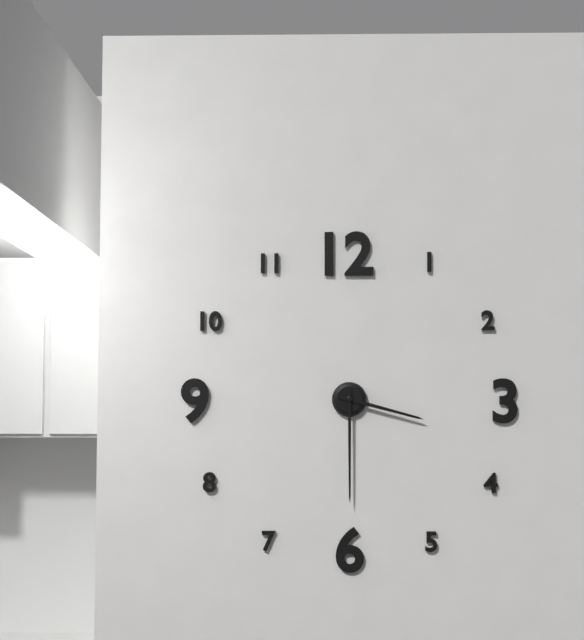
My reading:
3 h 30 min
